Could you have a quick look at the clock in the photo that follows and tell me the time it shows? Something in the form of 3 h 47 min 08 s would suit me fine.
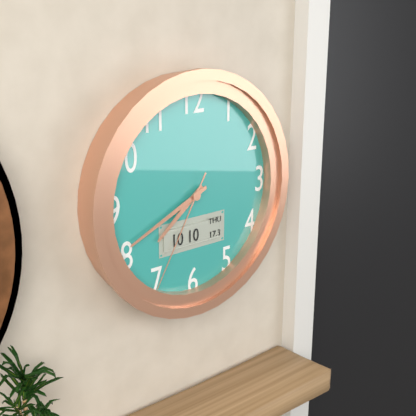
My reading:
7 h 41 min 35 s
